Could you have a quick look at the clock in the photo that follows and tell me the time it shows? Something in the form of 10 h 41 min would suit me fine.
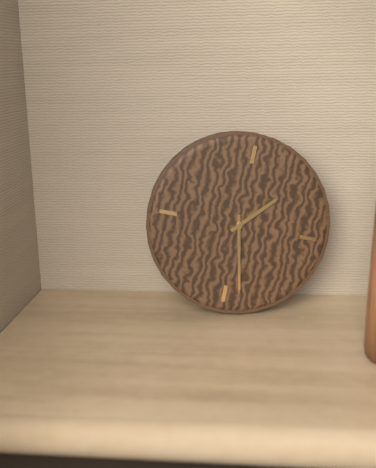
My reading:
1 h 28 min
